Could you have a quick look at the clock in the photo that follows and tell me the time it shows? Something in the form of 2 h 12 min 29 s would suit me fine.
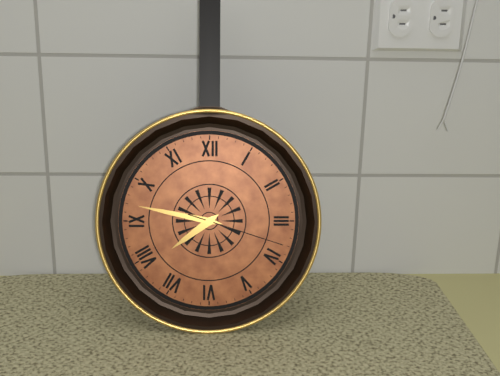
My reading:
7 h 47 min 18 s
